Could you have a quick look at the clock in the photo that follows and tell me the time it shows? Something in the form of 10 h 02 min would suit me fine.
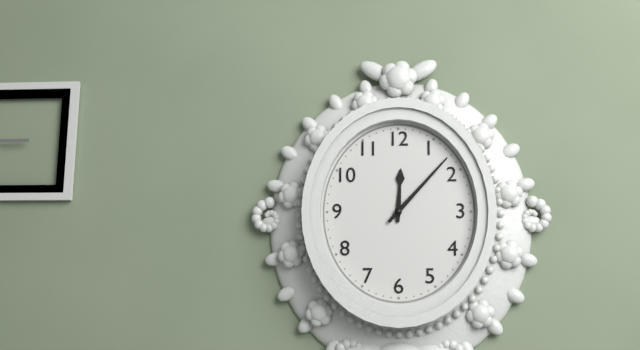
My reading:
12 h 07 min
